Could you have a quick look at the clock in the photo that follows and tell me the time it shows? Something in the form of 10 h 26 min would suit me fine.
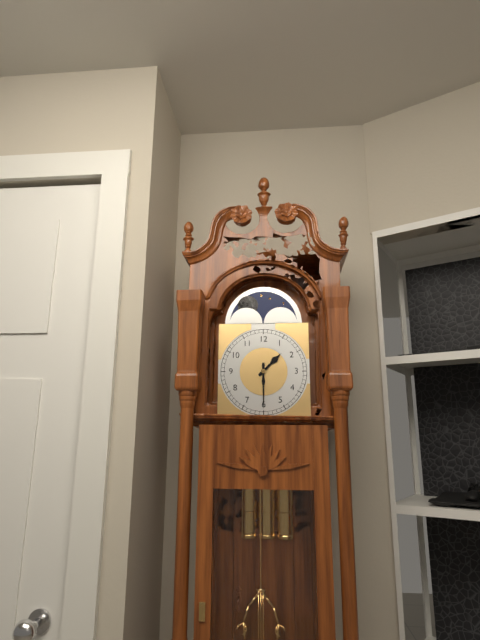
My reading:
1 h 30 min
